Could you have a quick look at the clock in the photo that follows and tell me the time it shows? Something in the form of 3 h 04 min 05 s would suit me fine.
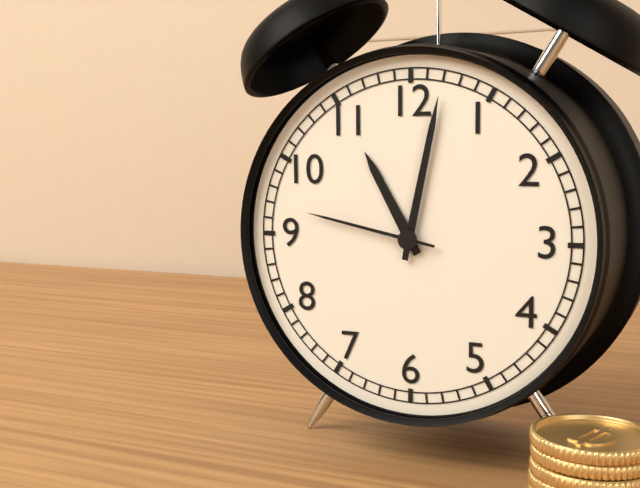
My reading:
11 h 02 min 47 s
